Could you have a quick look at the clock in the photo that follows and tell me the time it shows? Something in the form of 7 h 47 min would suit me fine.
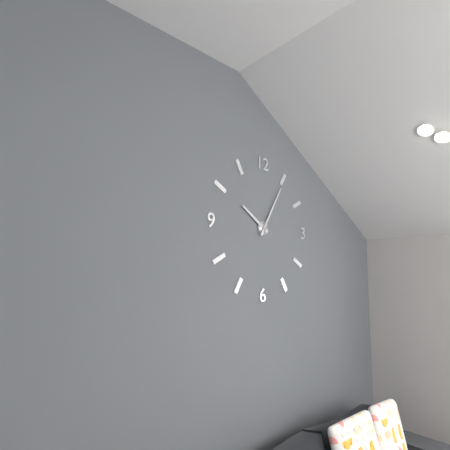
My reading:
10 h 05 min
